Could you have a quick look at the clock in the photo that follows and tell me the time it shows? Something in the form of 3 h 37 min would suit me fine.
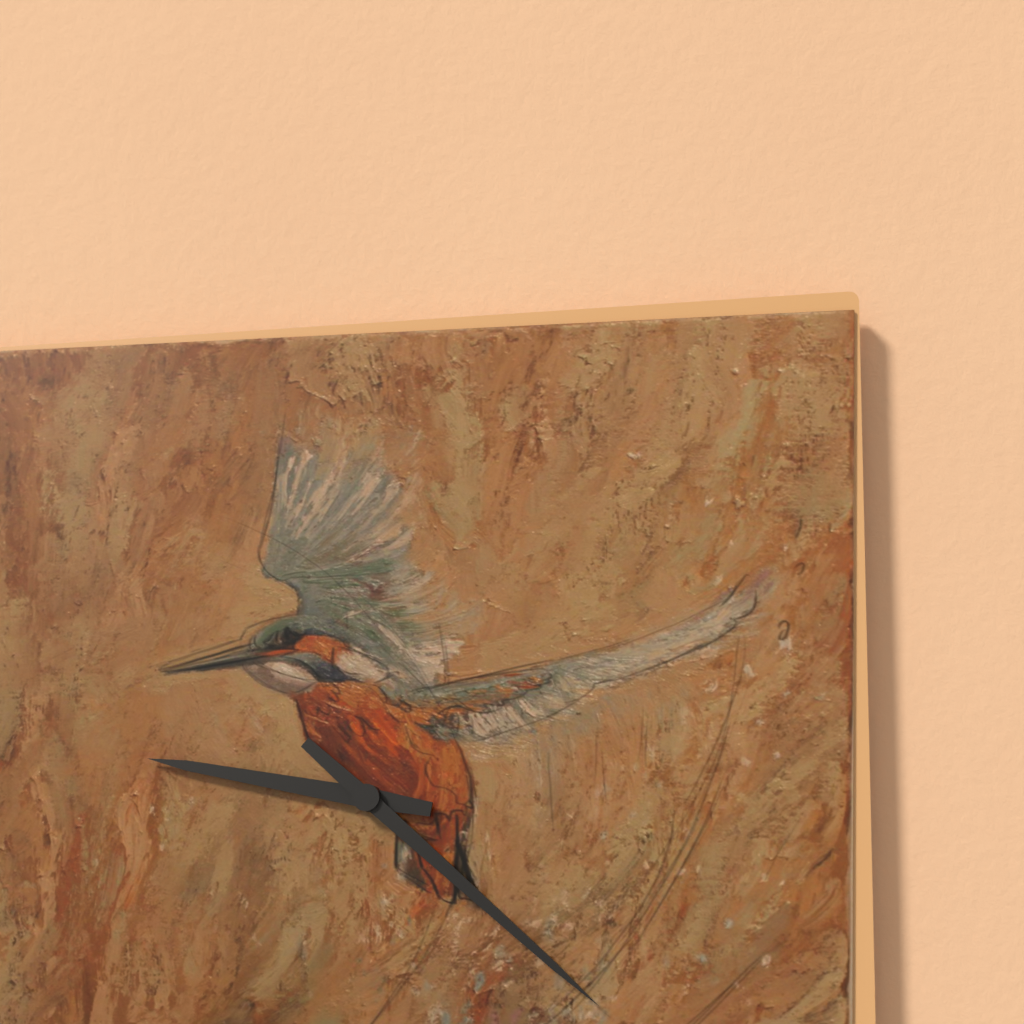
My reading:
9 h 22 min
